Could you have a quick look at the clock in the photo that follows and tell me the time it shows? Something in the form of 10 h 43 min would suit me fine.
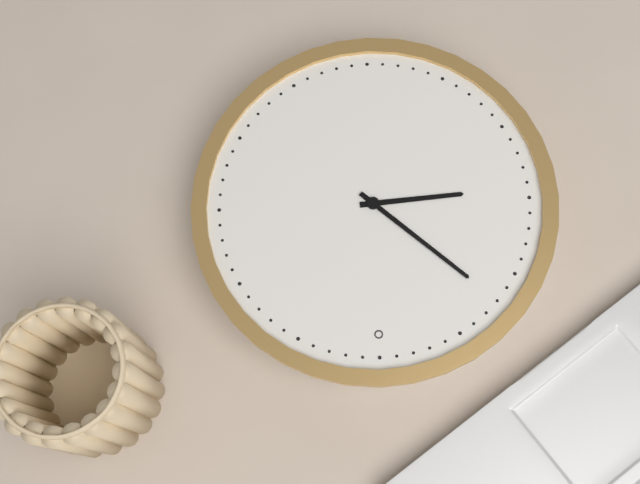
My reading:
8 h 52 min
